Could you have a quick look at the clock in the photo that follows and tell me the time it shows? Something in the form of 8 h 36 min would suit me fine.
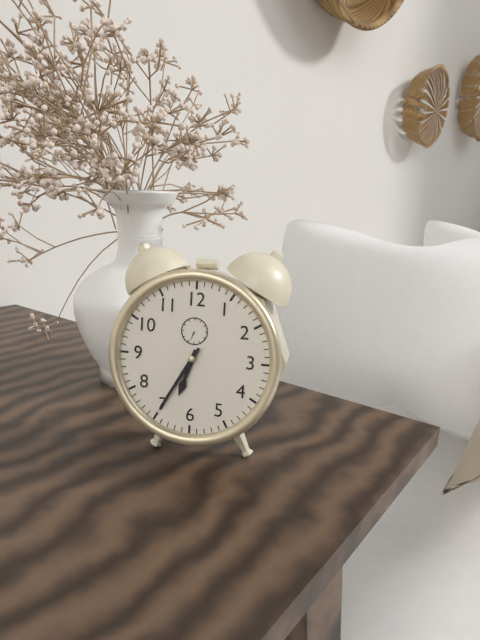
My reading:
6 h 35 min
